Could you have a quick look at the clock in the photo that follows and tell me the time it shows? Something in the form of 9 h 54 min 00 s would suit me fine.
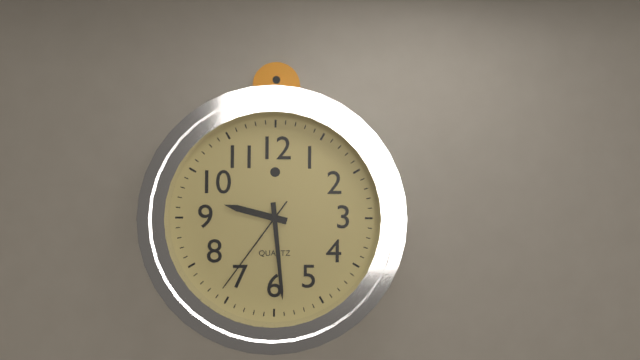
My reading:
9 h 29 min 36 s
